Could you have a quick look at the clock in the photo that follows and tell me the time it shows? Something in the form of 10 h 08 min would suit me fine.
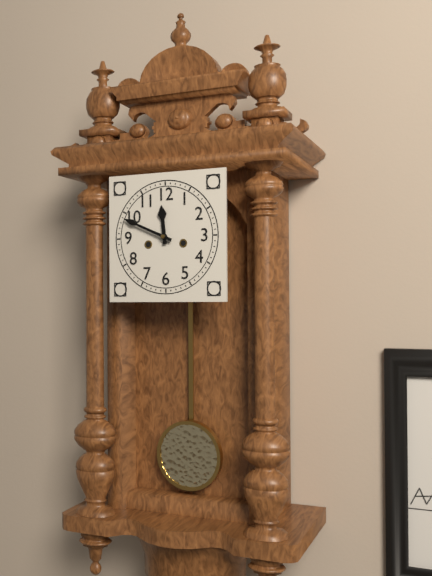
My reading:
11 h 49 min
